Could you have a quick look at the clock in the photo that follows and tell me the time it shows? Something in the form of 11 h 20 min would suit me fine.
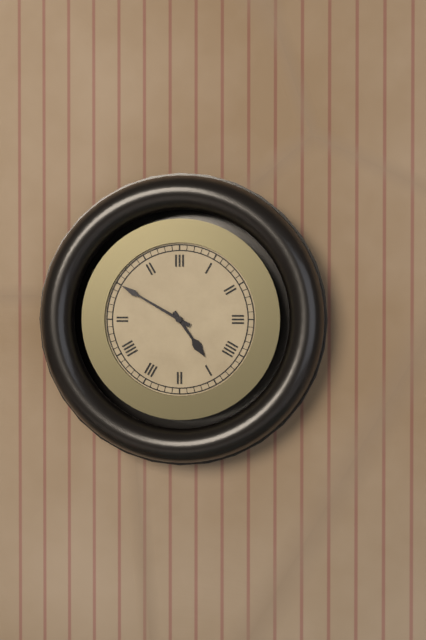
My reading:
4 h 50 min
